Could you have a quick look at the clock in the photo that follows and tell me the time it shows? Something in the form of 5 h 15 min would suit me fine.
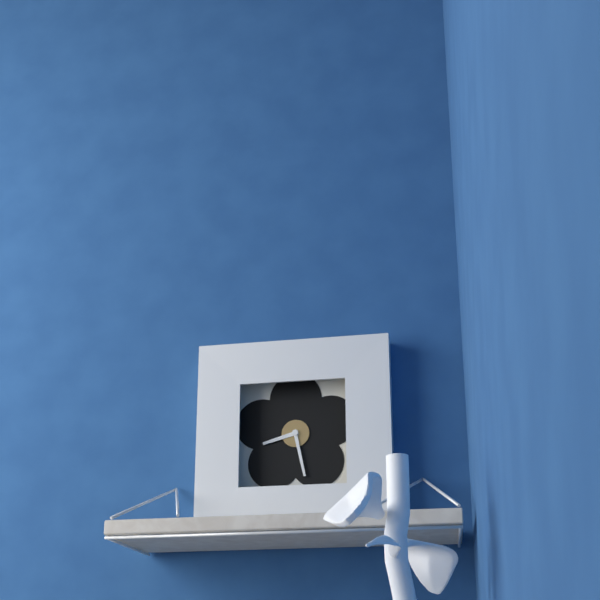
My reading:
8 h 28 min
